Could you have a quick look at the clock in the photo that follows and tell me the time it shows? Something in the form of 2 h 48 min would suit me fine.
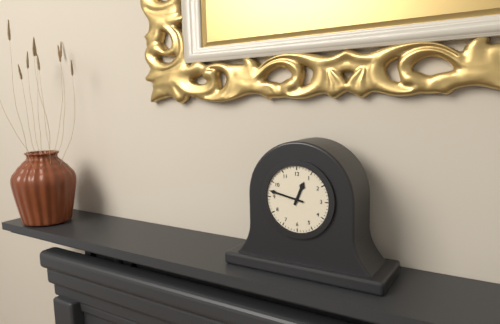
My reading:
12 h 47 min
